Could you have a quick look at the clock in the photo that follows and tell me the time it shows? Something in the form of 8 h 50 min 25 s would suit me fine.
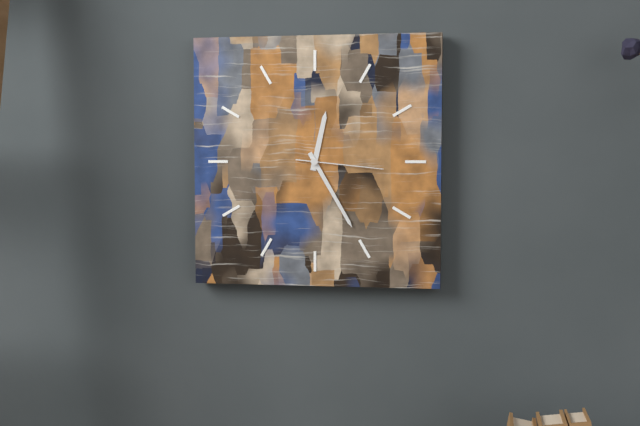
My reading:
12 h 25 min 16 s
